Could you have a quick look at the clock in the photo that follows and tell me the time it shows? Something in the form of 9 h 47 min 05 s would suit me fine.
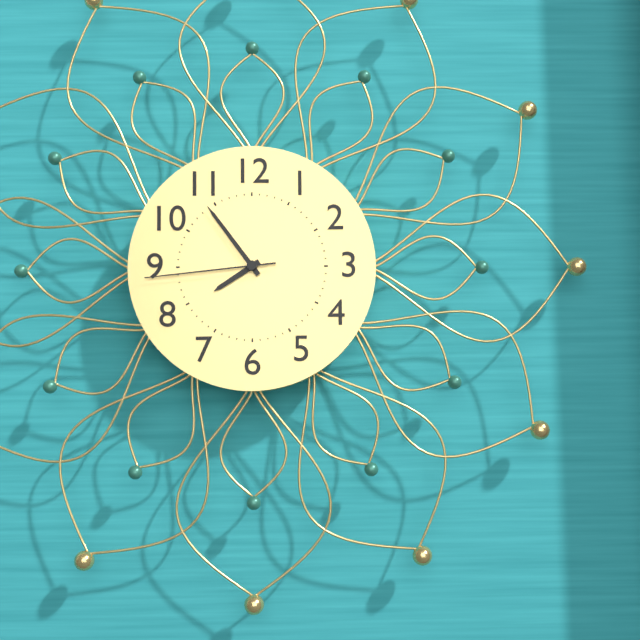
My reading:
7 h 54 min 44 s
